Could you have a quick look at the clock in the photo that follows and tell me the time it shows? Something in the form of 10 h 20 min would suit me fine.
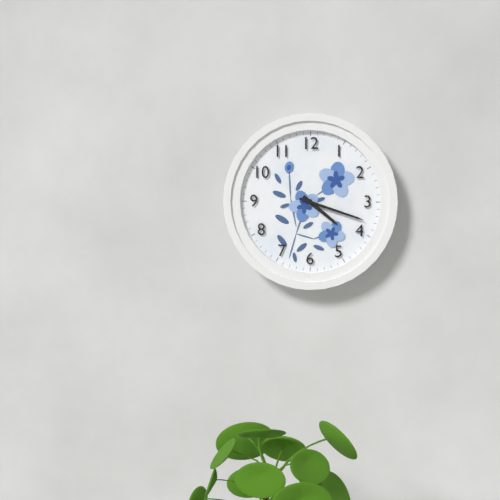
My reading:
4 h 18 min
